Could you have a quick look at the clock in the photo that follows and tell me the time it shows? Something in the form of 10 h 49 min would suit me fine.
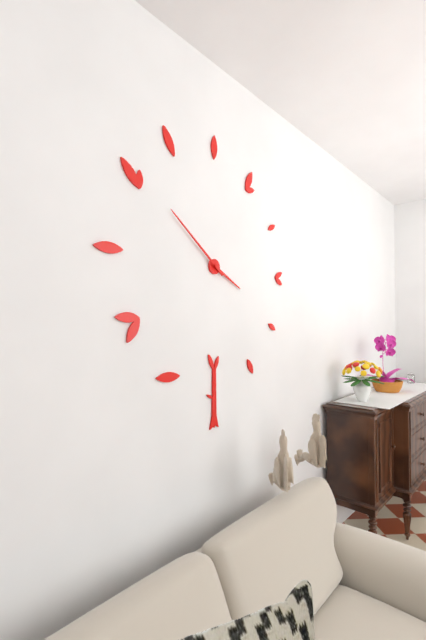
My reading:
3 h 51 min
